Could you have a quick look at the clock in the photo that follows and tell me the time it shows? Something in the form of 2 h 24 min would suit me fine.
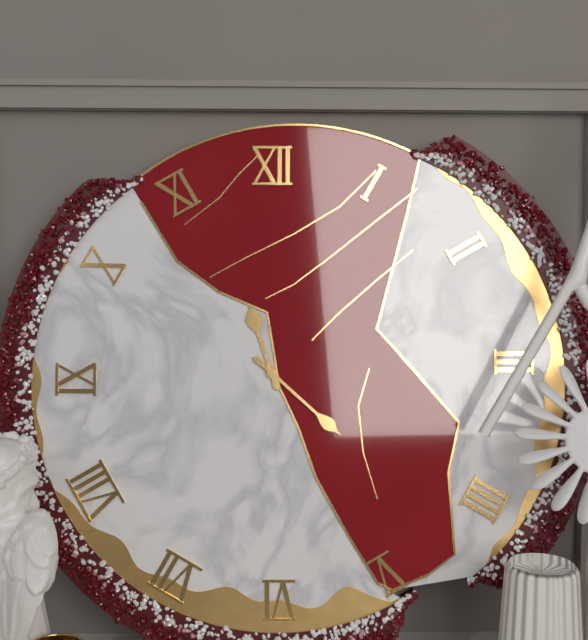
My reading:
11 h 22 min
